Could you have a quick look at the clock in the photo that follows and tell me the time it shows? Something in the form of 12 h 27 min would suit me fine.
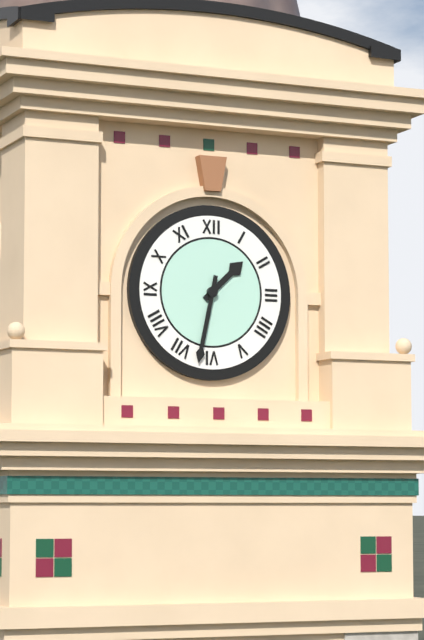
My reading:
1 h 32 min
